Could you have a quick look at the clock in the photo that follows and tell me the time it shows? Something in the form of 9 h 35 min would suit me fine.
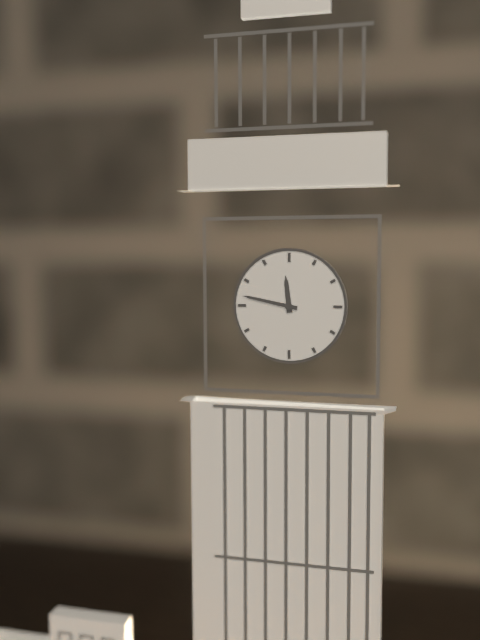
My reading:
11 h 47 min
